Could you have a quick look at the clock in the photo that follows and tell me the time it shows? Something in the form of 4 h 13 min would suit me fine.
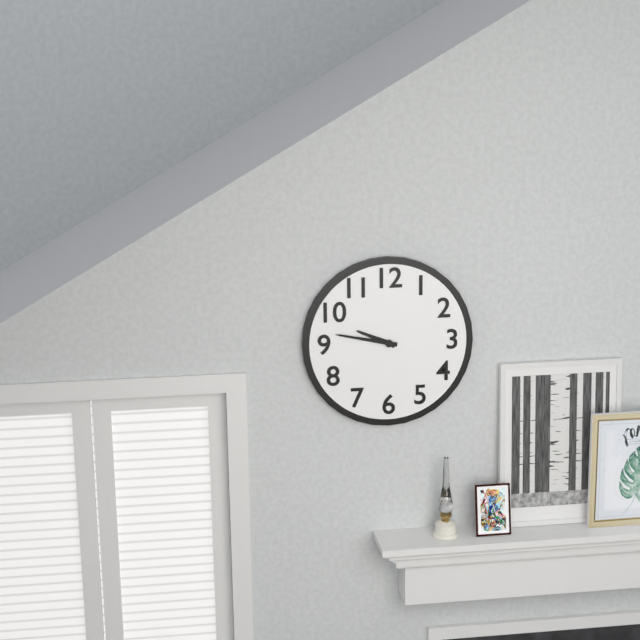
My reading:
9 h 47 min
